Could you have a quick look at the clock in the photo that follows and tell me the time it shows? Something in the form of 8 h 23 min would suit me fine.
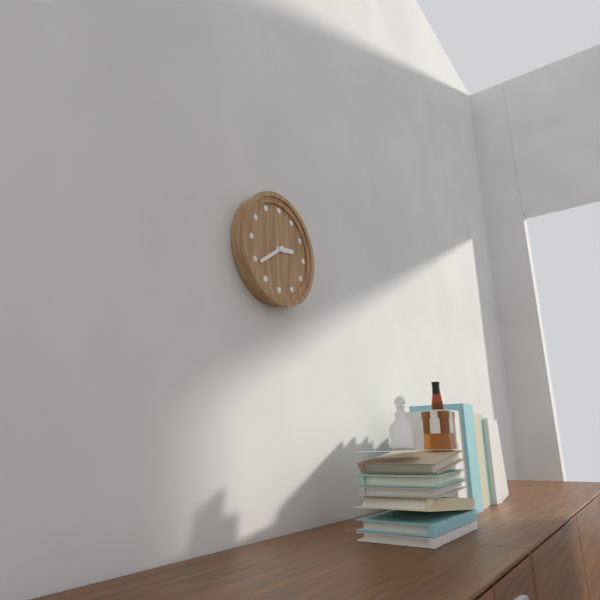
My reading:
2 h 39 min
